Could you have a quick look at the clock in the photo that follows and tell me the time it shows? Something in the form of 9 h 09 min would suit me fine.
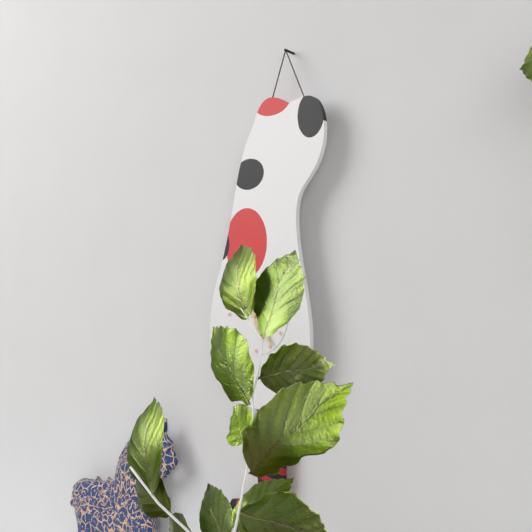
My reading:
5 h 24 min
